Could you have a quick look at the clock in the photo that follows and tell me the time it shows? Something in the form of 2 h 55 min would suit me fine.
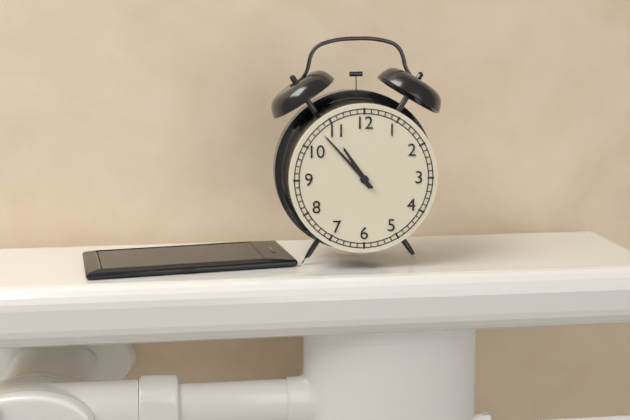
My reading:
10 h 53 min
